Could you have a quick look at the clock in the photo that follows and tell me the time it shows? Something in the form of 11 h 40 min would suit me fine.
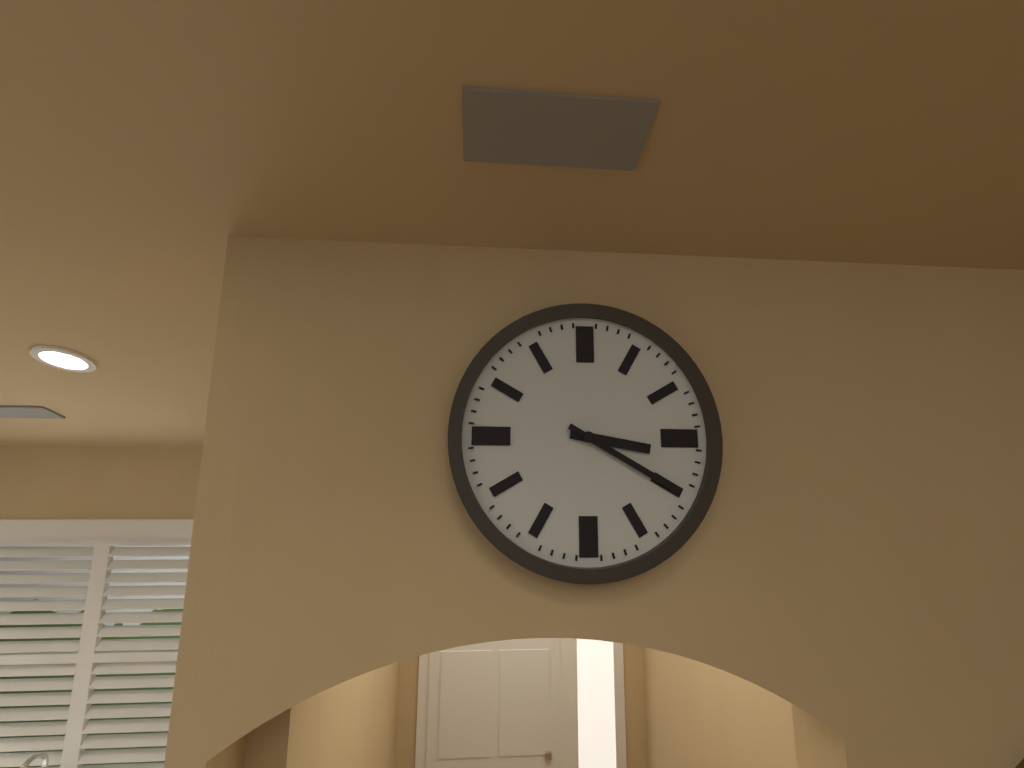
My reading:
3 h 20 min
